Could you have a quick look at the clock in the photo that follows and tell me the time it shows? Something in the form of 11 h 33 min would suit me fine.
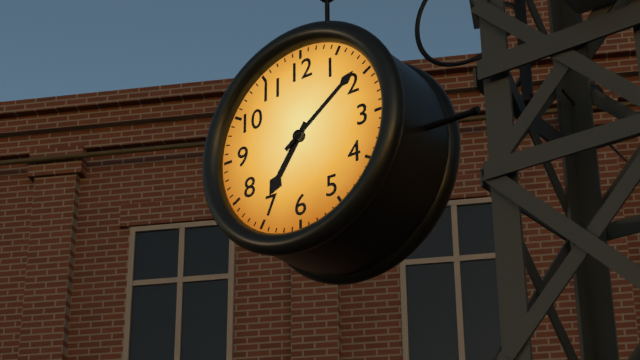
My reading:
7 h 09 min
